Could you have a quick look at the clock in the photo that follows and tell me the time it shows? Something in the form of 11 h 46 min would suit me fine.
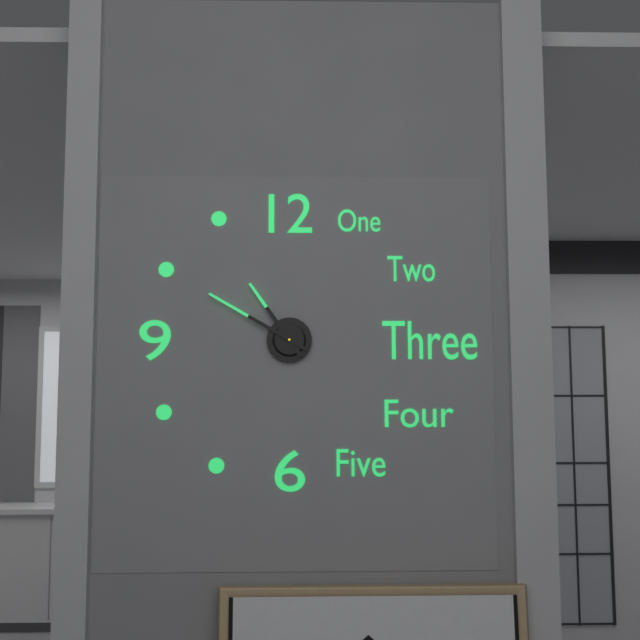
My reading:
10 h 50 min
